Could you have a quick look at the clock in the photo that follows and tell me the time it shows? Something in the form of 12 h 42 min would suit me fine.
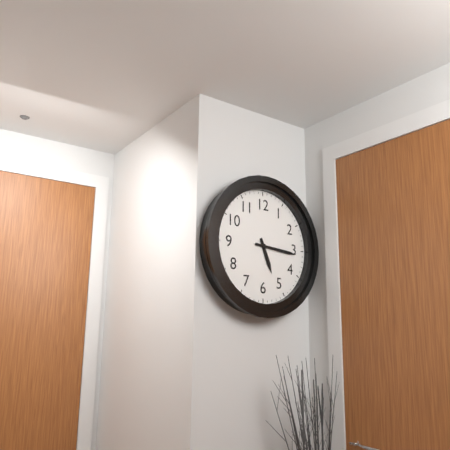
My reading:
5 h 16 min
